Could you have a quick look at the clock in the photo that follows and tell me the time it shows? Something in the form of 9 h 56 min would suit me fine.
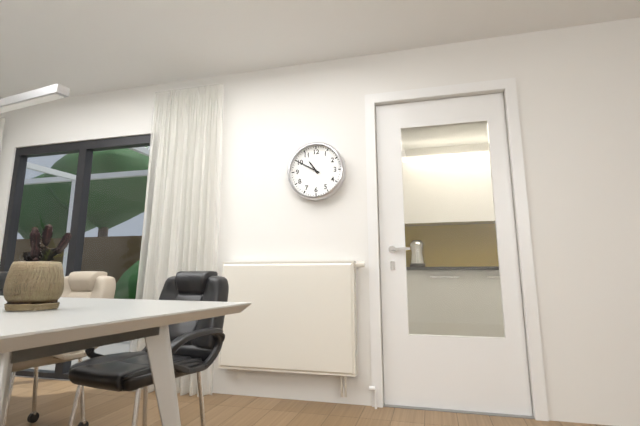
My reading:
10 h 50 min
